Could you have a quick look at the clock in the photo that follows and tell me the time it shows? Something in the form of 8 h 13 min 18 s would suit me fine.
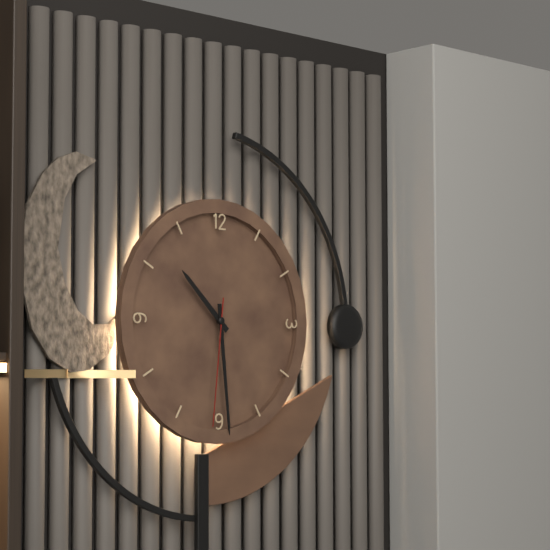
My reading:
10 h 29 min 31 s
